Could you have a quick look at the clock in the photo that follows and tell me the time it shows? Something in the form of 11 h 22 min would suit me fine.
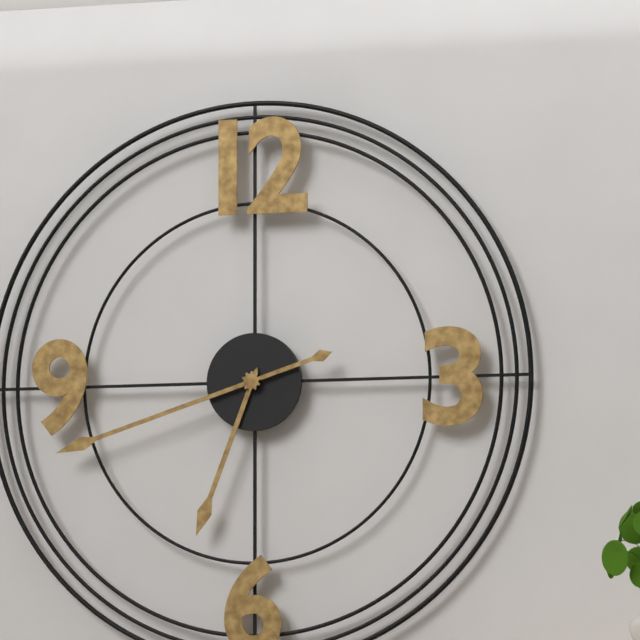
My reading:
6 h 42 min
